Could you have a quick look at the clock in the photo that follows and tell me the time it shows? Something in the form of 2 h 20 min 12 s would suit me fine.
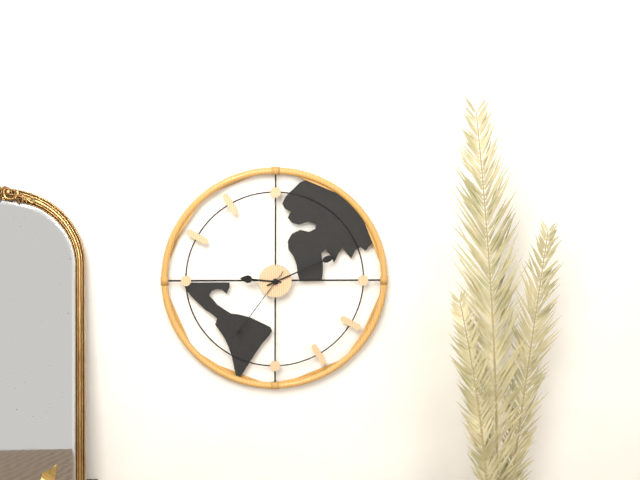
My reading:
9 h 11 min 36 s
